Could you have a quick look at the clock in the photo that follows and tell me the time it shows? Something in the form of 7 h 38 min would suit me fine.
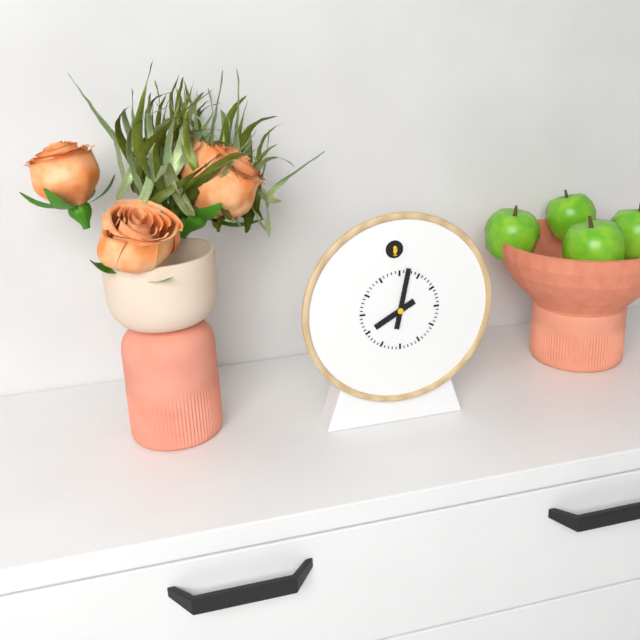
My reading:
8 h 02 min
